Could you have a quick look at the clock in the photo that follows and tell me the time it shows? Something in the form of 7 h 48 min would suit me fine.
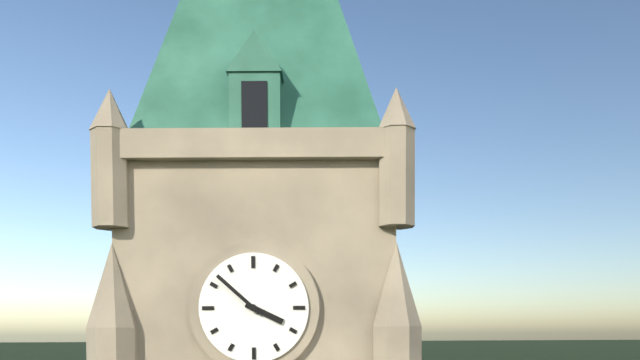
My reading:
3 h 52 min
